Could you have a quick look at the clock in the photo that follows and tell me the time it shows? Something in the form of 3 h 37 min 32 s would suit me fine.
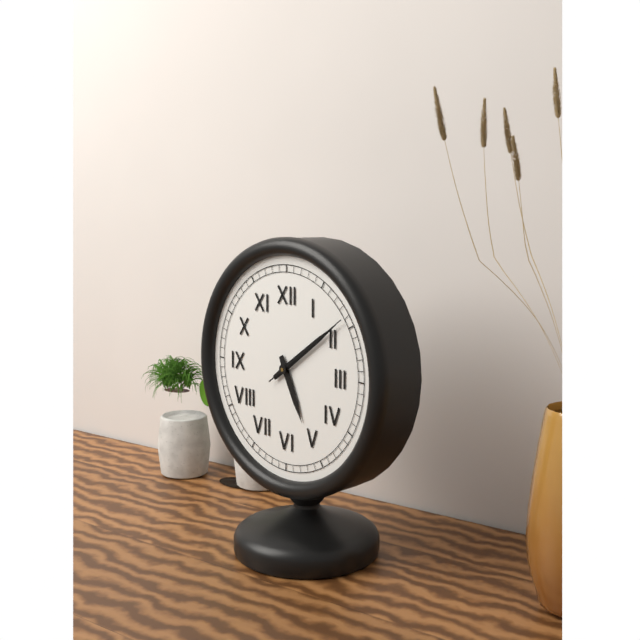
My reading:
5 h 09 min 09 s
